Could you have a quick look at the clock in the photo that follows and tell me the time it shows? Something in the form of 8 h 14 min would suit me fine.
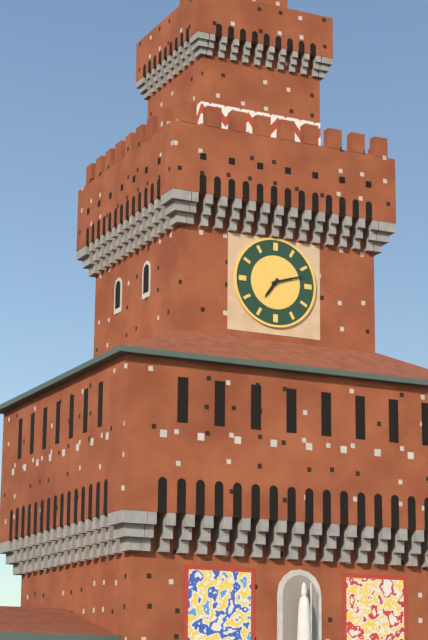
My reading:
7 h 12 min
